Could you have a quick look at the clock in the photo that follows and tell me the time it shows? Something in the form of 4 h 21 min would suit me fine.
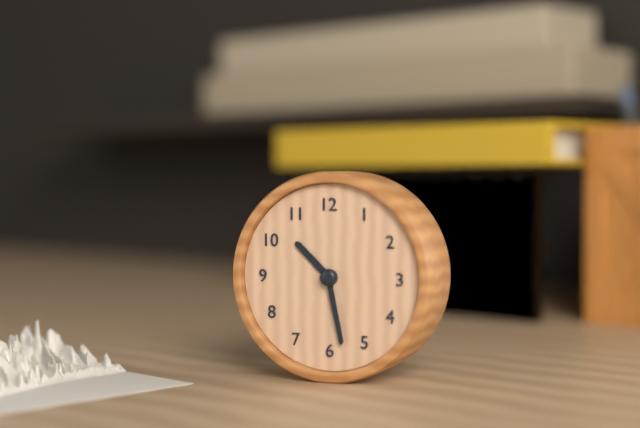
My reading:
10 h 28 min
